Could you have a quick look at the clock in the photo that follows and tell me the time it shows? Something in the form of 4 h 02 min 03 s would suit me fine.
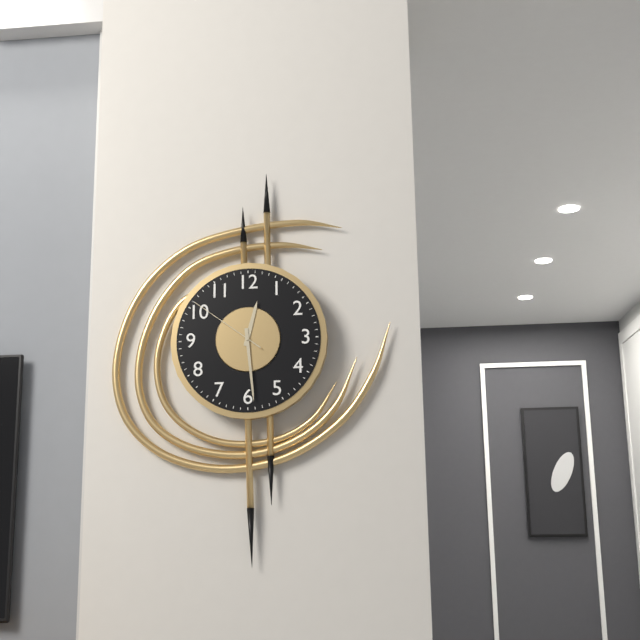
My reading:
12 h 29 min 51 s
